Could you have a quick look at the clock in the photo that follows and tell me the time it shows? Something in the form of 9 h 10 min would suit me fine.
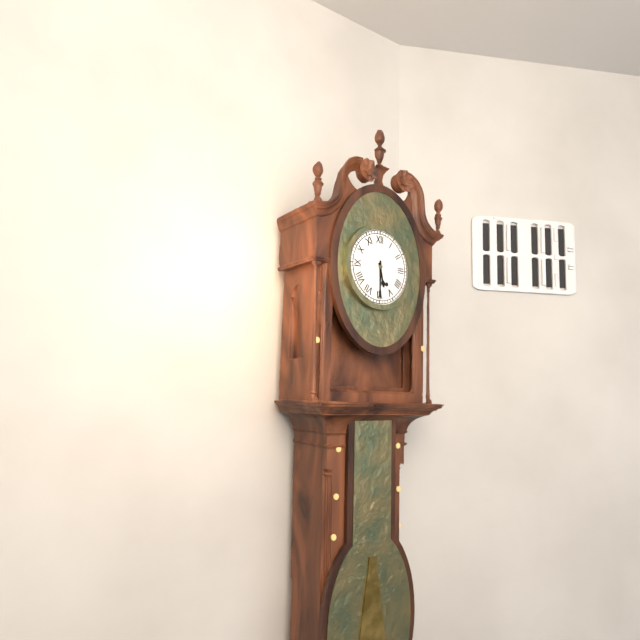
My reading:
5 h 30 min
